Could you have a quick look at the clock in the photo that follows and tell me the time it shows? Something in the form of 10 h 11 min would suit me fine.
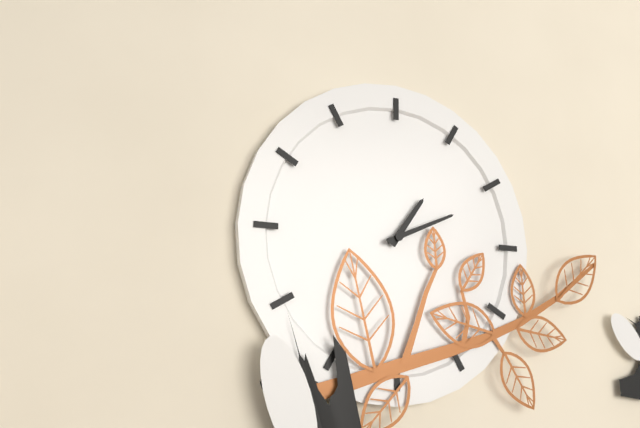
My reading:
1 h 11 min
